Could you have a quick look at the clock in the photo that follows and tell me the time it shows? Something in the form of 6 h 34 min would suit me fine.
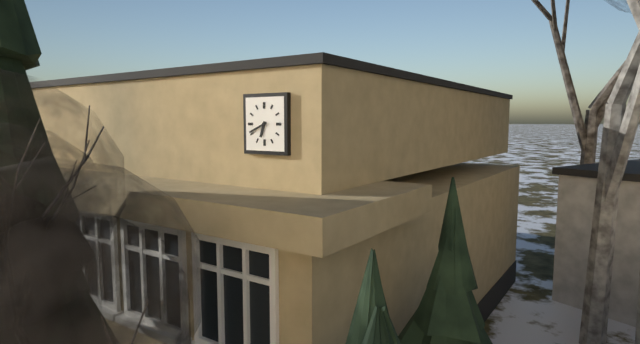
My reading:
6 h 41 min
